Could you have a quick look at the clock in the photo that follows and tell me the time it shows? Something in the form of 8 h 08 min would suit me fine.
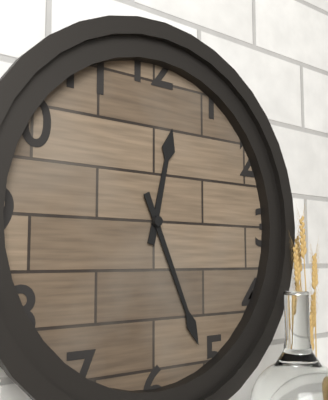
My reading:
12 h 26 min
